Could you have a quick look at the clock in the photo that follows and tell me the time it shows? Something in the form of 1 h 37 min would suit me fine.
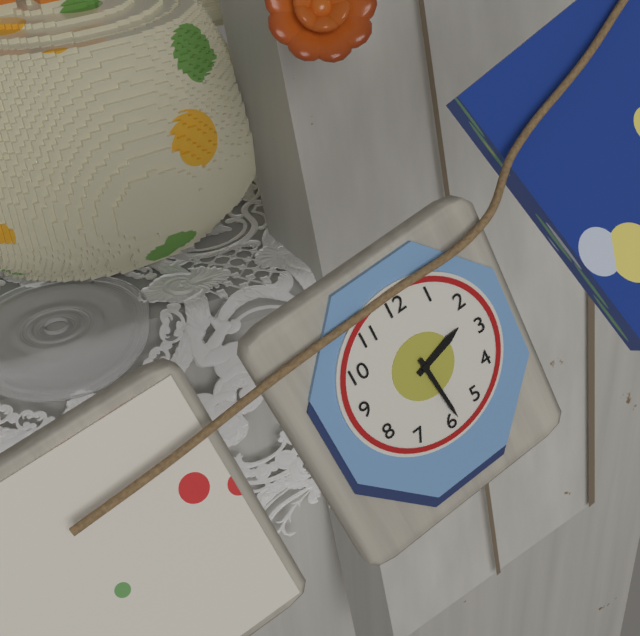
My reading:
2 h 29 min
